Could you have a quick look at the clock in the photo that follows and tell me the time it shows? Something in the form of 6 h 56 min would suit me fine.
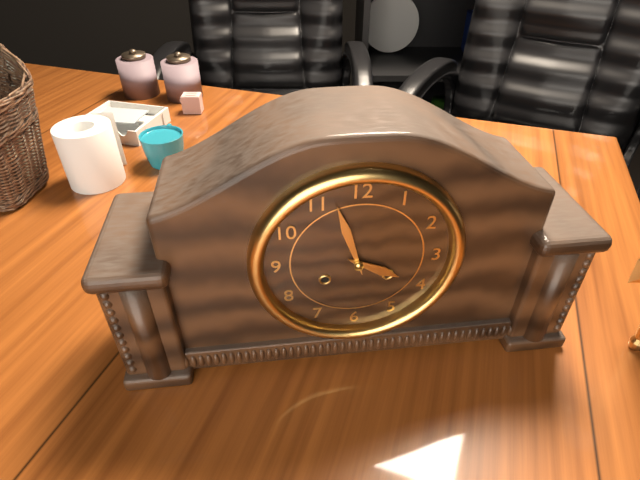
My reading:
3 h 57 min
